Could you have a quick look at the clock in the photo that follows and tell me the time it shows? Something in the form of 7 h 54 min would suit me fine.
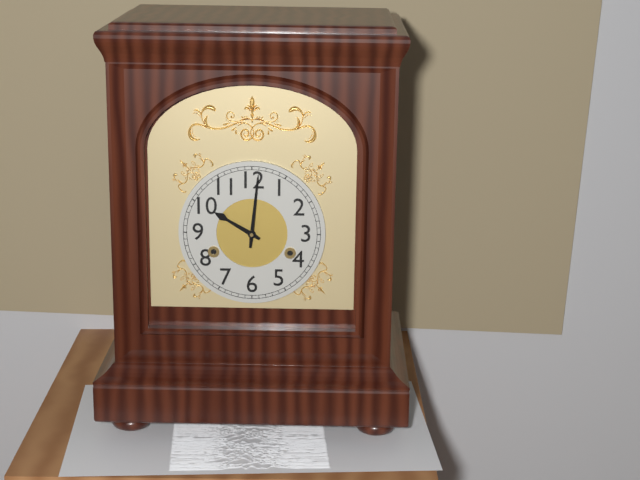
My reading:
10 h 01 min
